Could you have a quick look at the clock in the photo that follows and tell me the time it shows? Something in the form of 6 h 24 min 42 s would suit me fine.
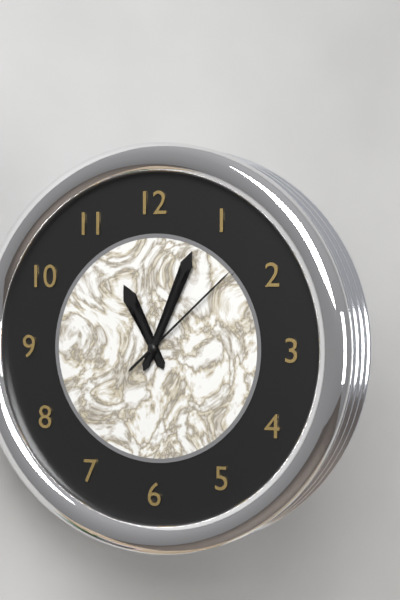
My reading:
11 h 04 min 08 s
